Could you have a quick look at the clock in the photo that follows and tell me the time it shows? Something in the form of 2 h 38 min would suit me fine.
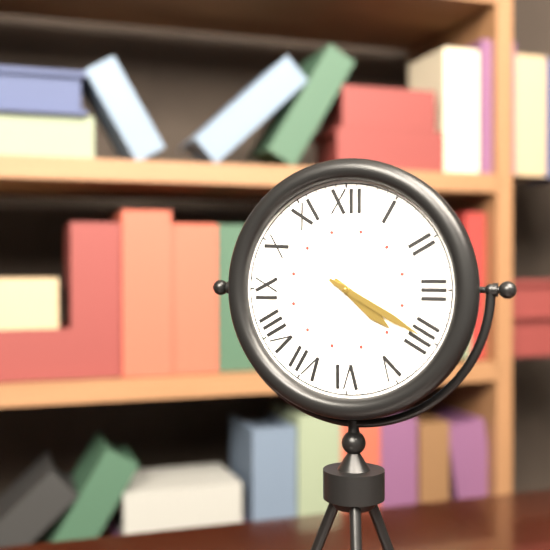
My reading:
4 h 20 min
